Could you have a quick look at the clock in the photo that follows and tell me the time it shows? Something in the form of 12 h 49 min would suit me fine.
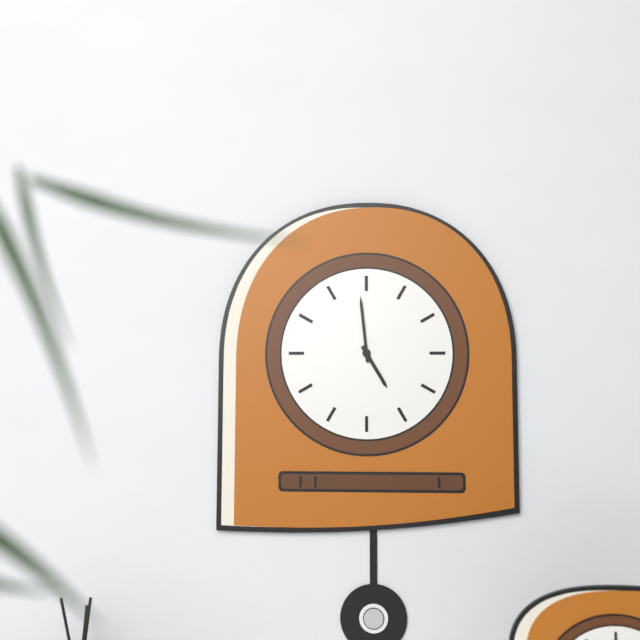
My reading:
4 h 59 min
